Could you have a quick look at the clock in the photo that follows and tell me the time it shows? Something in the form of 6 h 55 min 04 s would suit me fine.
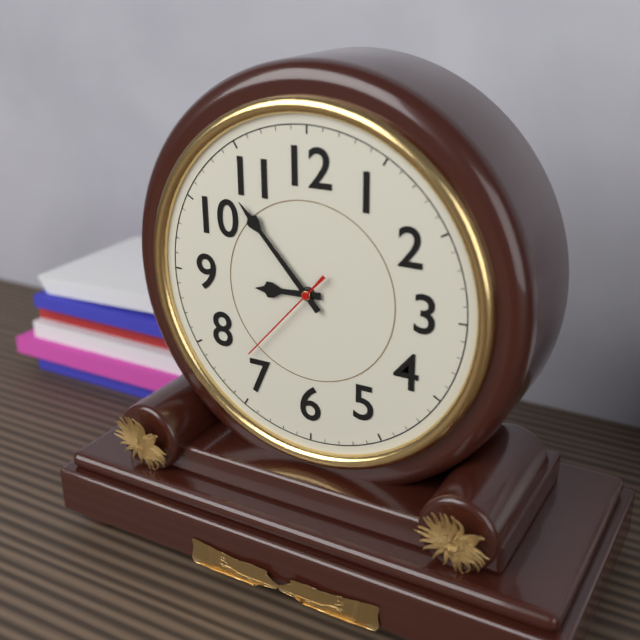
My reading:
8 h 53 min 37 s
